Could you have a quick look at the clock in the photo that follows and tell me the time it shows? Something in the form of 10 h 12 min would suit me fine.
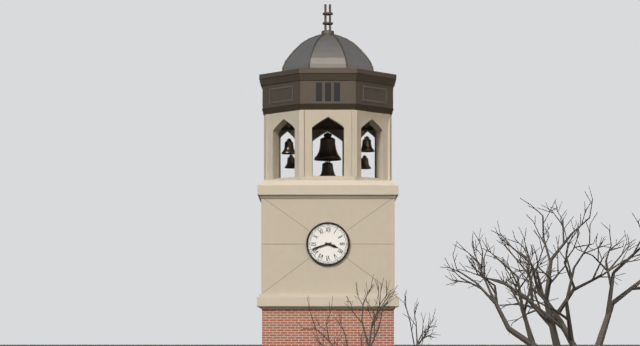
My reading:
3 h 42 min
